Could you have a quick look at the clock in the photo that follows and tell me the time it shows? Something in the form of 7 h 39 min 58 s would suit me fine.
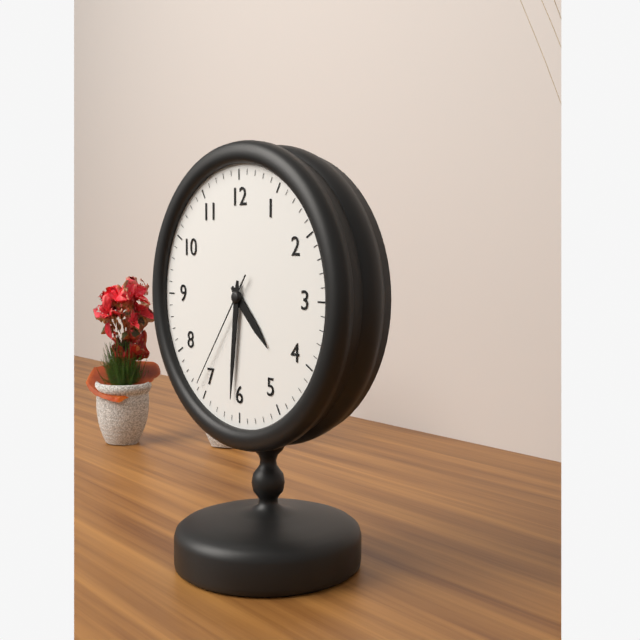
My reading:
4 h 31 min 36 s
